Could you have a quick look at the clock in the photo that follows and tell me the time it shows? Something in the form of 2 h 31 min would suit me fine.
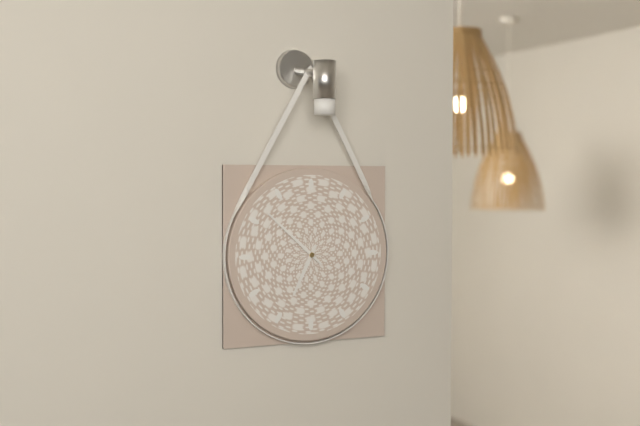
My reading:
6 h 52 min
